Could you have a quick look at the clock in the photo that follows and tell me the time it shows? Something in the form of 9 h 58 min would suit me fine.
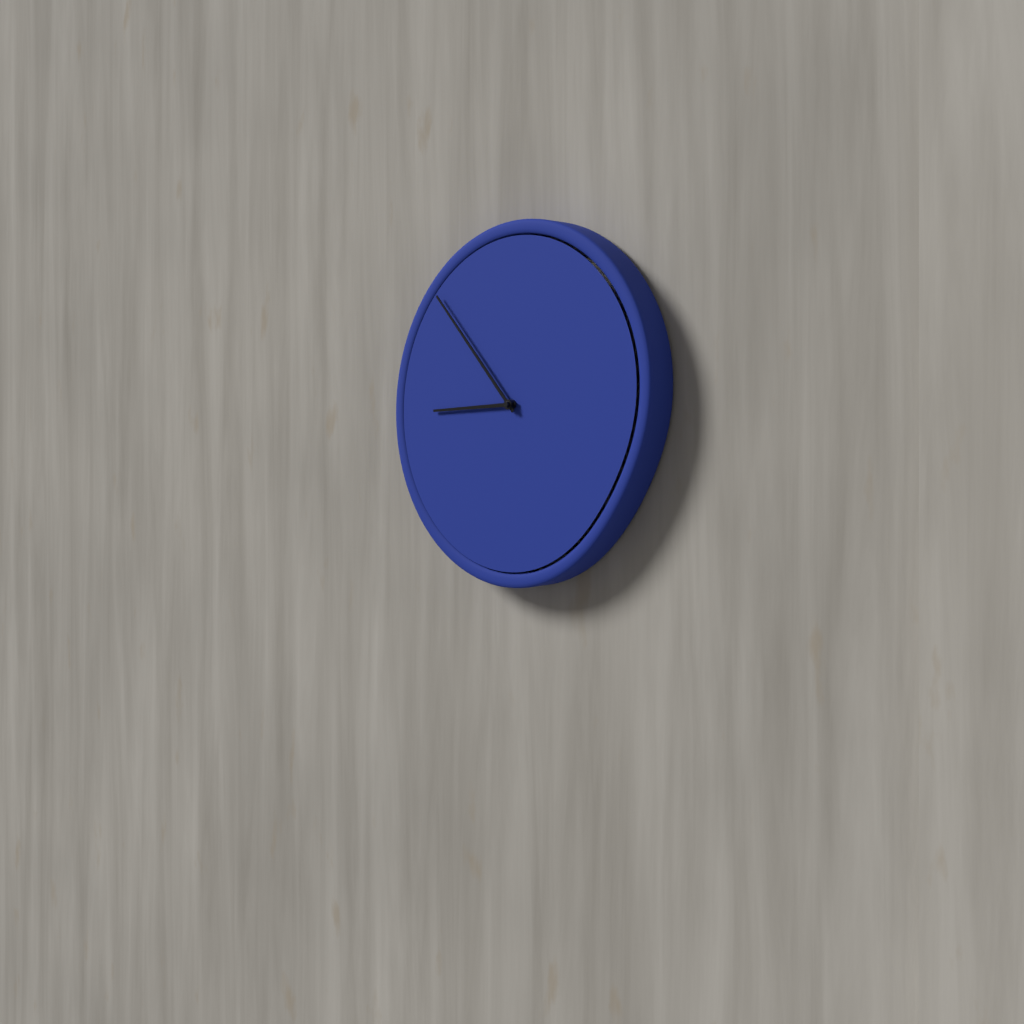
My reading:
8 h 53 min
